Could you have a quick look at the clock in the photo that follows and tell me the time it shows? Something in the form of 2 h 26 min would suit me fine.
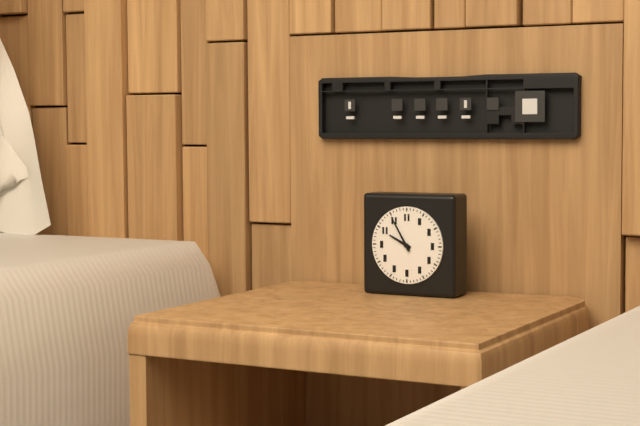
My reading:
9 h 55 min
